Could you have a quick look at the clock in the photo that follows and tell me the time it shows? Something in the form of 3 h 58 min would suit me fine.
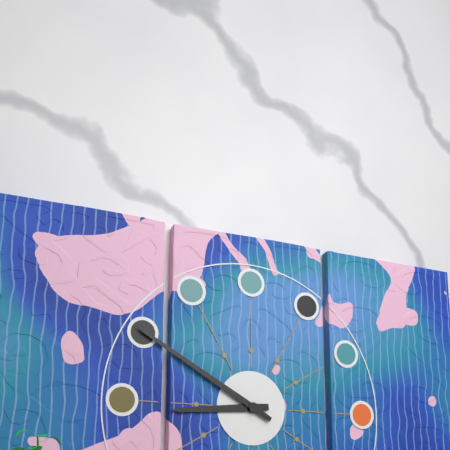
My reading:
8 h 50 min
